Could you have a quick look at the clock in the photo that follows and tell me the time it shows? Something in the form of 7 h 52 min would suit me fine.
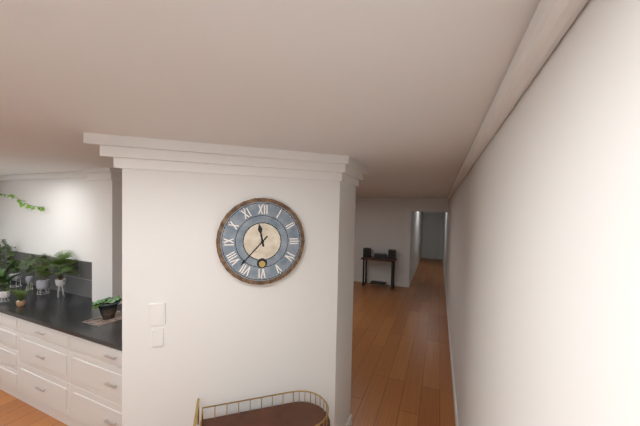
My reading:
11 h 37 min
